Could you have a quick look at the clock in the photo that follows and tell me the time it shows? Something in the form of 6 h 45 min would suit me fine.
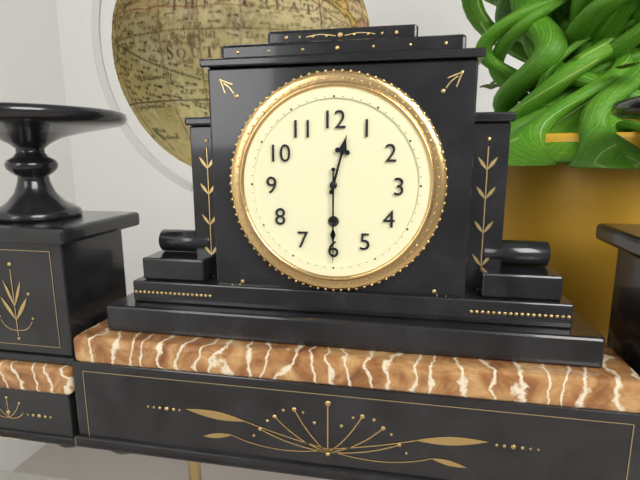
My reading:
12 h 30 min
